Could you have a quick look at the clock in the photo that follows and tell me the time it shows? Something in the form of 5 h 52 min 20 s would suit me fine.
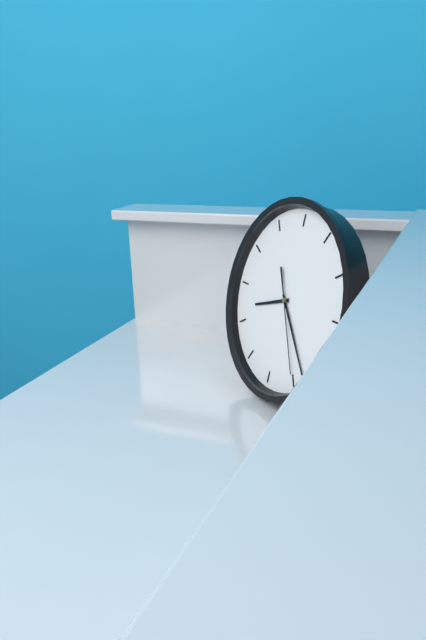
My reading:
8 h 23 min 25 s
